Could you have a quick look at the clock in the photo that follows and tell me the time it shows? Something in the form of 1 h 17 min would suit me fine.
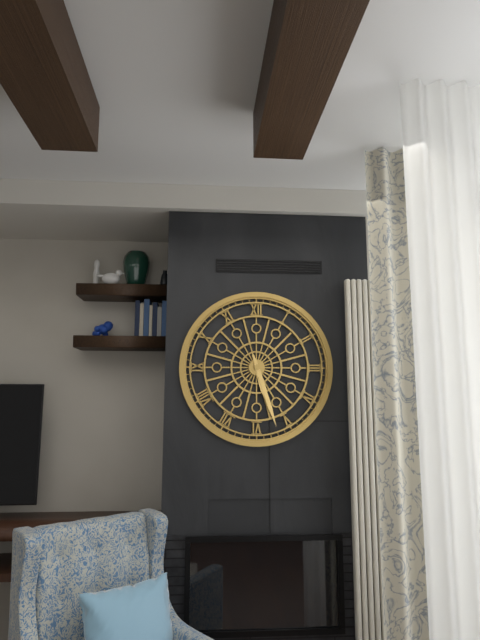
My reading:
5 h 27 min
